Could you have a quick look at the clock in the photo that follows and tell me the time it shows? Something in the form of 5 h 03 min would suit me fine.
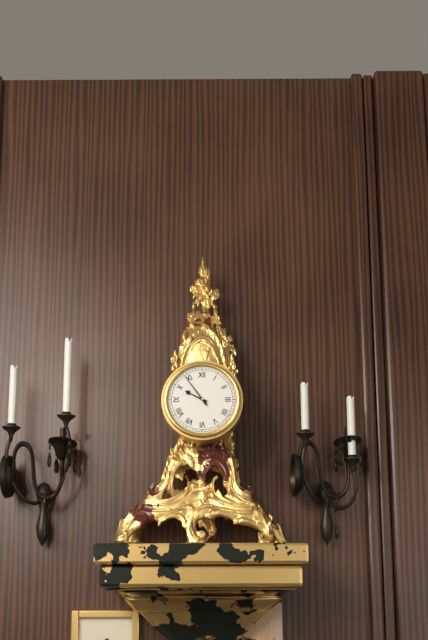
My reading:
9 h 54 min
